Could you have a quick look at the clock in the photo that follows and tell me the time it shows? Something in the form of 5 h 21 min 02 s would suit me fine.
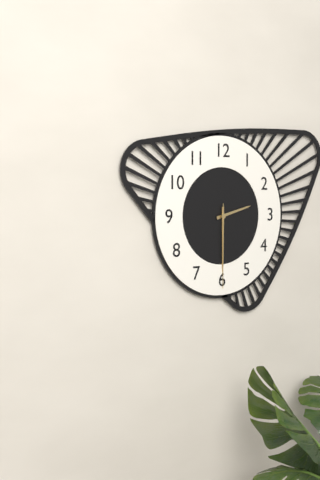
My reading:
2 h 30 min 30 s
